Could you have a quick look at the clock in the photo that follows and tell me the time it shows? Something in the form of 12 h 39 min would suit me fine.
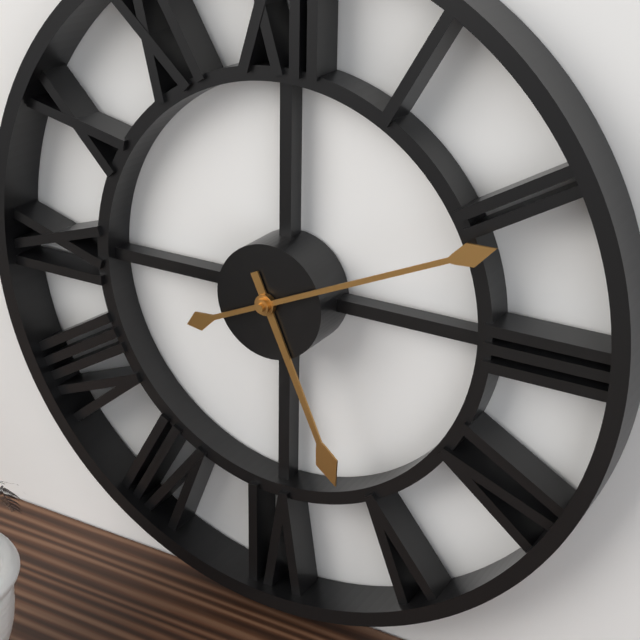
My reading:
5 h 11 min
